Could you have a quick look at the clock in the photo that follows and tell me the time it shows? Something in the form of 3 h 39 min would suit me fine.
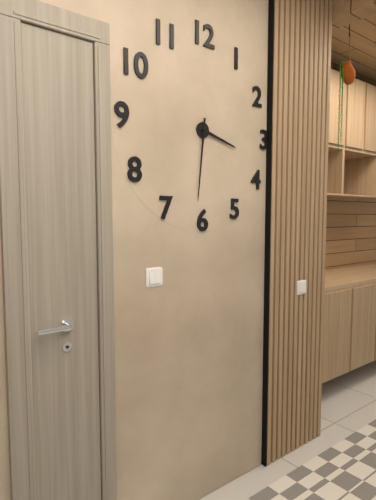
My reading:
3 h 31 min
